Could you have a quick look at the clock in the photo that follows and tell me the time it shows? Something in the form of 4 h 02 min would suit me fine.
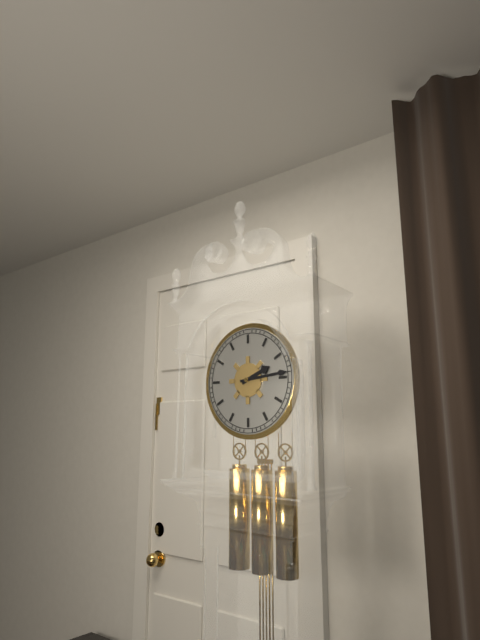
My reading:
2 h 14 min
